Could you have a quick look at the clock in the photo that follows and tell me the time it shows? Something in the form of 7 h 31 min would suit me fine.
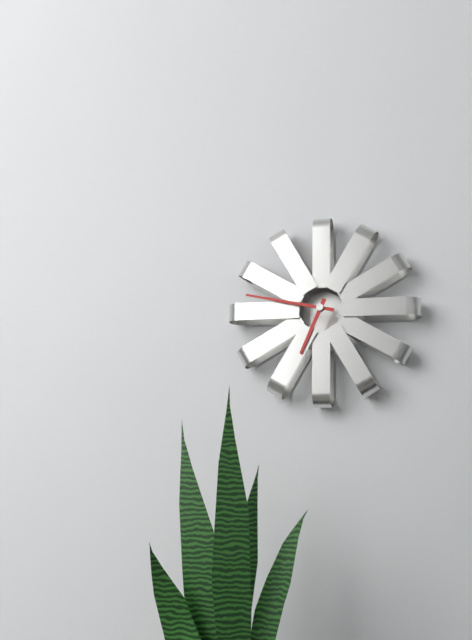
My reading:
6 h 47 min
